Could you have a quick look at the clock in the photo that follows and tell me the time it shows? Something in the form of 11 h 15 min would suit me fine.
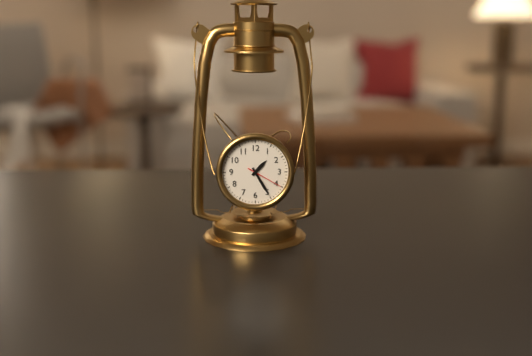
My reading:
1 h 25 min
